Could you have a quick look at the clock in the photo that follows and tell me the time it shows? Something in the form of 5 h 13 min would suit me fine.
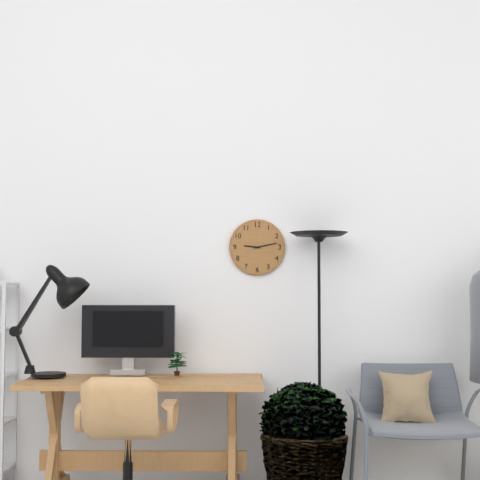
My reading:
9 h 13 min
